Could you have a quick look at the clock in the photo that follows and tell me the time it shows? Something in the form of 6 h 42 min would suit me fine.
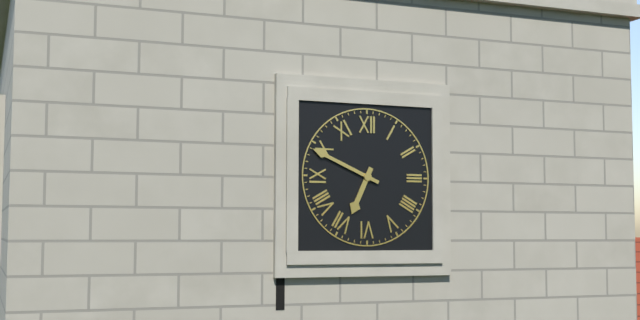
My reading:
6 h 49 min
